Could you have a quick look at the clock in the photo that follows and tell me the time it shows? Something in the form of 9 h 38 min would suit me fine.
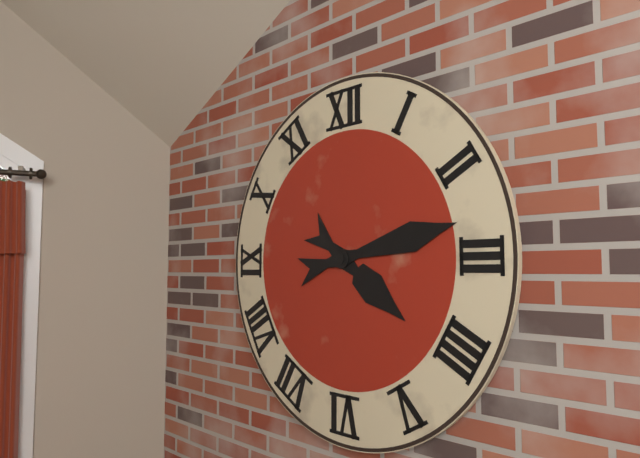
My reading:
4 h 13 min
